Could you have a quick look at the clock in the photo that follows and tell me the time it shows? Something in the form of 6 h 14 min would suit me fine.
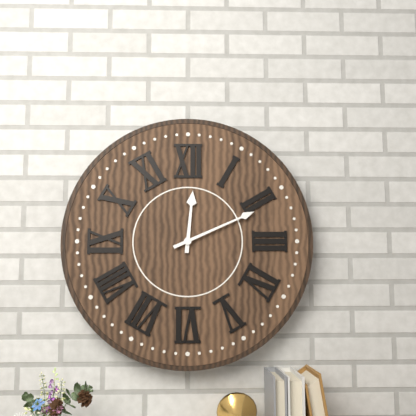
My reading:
12 h 11 min
